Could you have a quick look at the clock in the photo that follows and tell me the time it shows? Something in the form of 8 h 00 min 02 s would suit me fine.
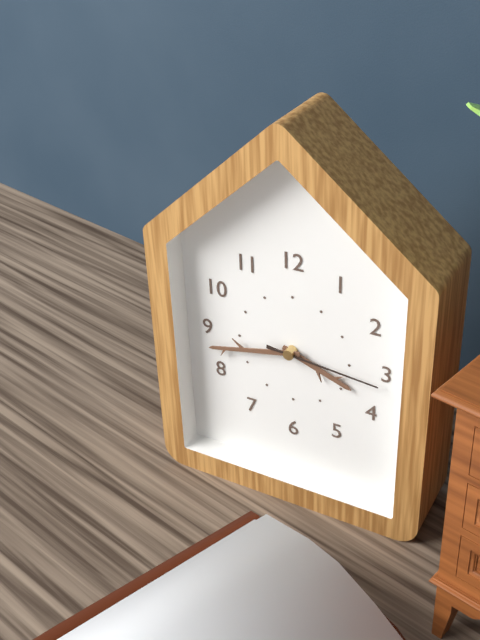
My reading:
3 h 43 min 16 s
